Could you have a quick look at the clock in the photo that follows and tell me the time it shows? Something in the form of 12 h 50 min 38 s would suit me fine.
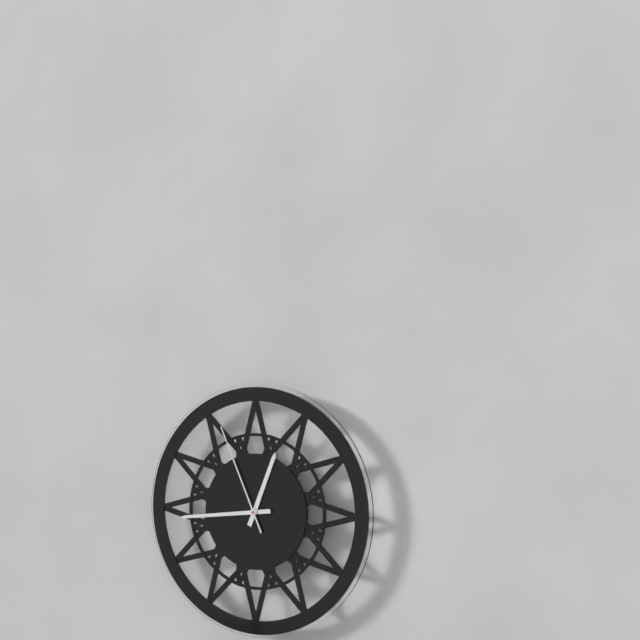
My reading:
12 h 44 min 56 s
